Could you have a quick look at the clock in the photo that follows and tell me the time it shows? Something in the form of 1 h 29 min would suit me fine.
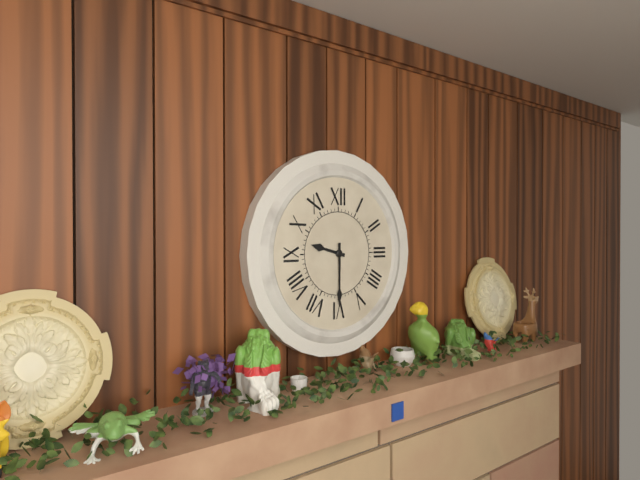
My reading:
9 h 30 min
